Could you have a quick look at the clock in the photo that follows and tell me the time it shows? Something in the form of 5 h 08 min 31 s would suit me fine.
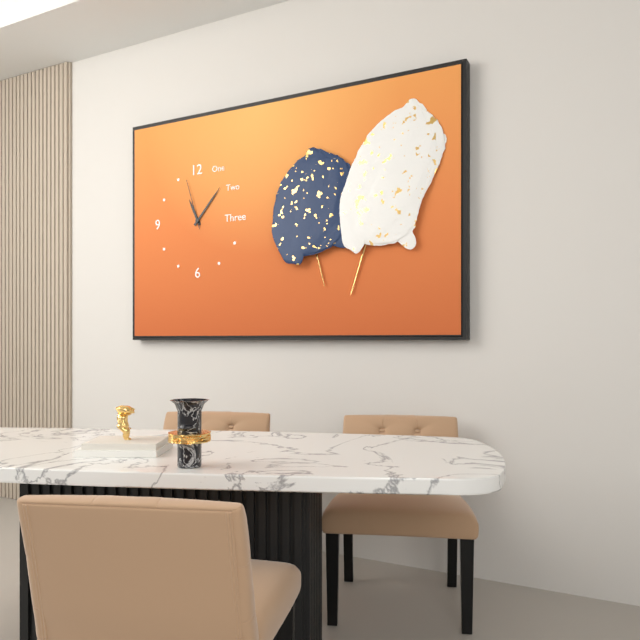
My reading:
11 h 07 min 57 s
